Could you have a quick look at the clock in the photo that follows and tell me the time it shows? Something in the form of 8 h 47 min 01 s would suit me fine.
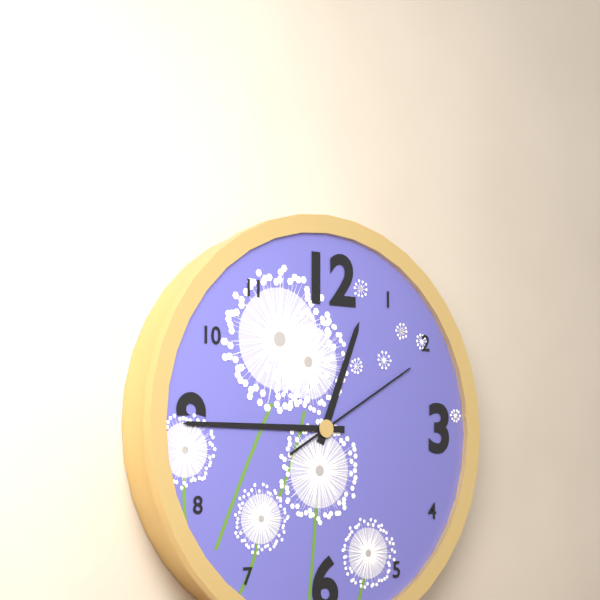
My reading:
12 h 45 min 10 s
